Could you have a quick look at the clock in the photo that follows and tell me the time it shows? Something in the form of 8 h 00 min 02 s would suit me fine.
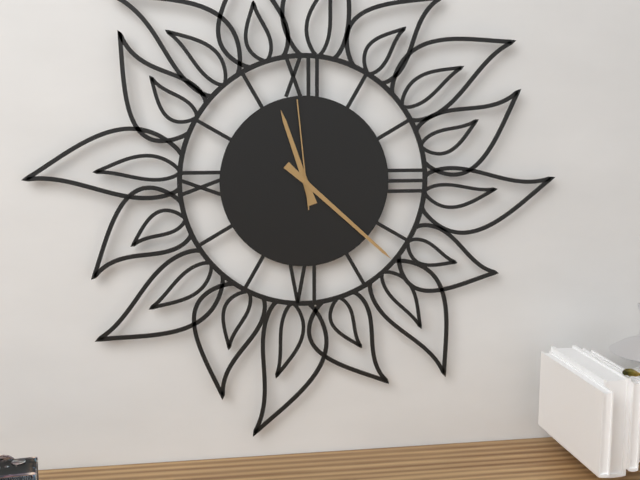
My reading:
11 h 22 min 59 s
